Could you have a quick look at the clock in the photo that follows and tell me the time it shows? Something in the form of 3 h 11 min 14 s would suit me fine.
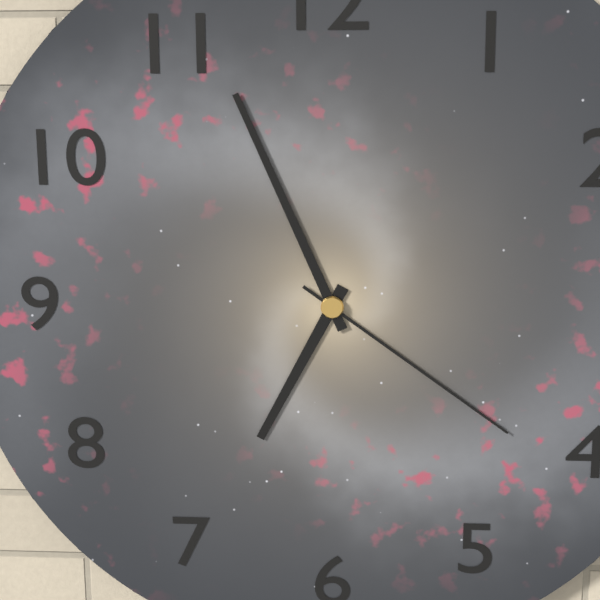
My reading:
6 h 56 min 21 s
